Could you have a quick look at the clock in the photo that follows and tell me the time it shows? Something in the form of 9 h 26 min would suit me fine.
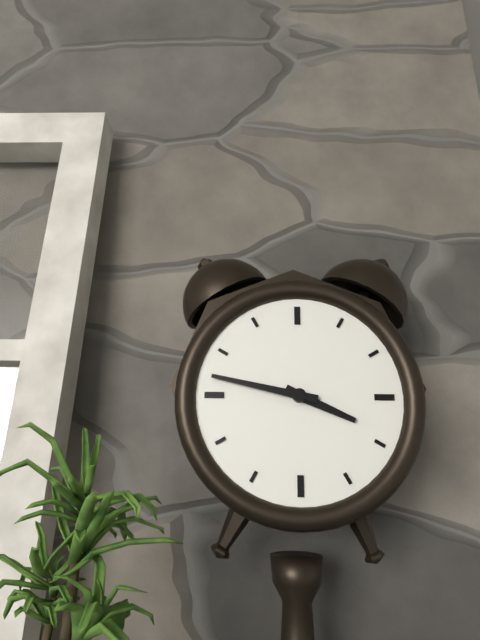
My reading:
3 h 47 min
